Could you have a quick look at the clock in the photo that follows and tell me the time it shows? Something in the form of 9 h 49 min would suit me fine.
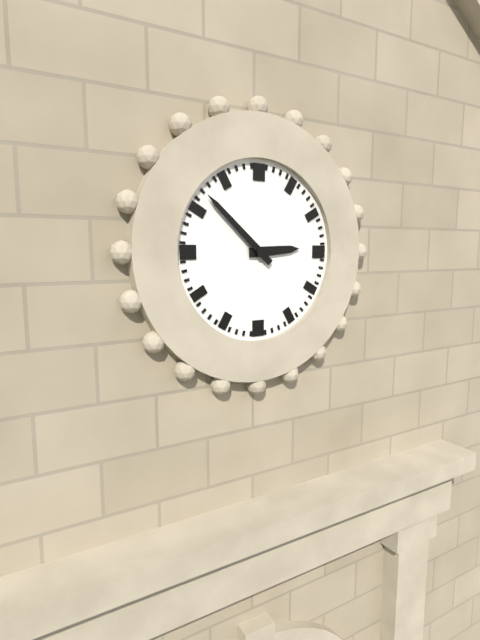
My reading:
2 h 52 min
